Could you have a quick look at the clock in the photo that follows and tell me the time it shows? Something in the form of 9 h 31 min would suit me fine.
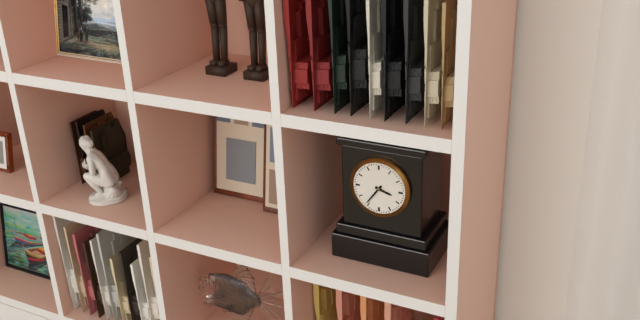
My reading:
3 h 36 min
